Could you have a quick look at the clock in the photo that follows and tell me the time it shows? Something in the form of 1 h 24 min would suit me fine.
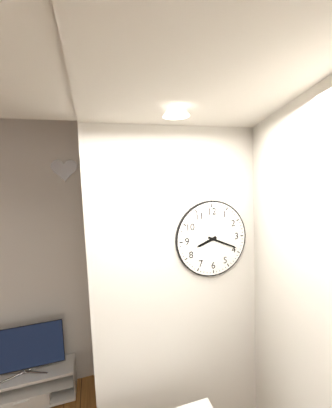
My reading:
8 h 19 min
